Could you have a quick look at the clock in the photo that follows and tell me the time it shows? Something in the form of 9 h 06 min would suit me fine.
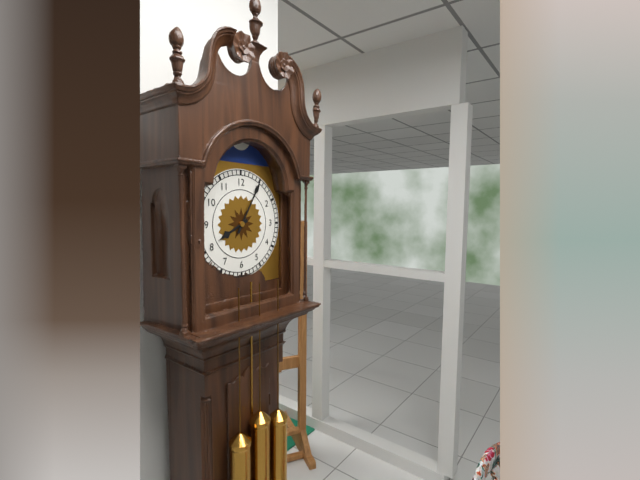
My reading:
8 h 05 min
